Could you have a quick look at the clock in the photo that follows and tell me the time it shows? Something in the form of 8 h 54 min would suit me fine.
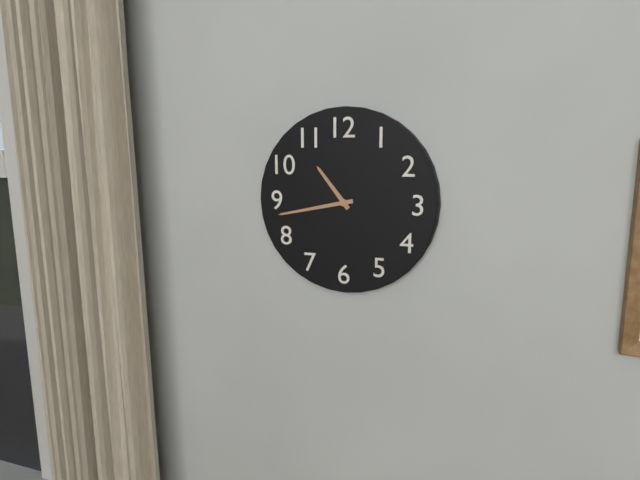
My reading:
10 h 43 min
